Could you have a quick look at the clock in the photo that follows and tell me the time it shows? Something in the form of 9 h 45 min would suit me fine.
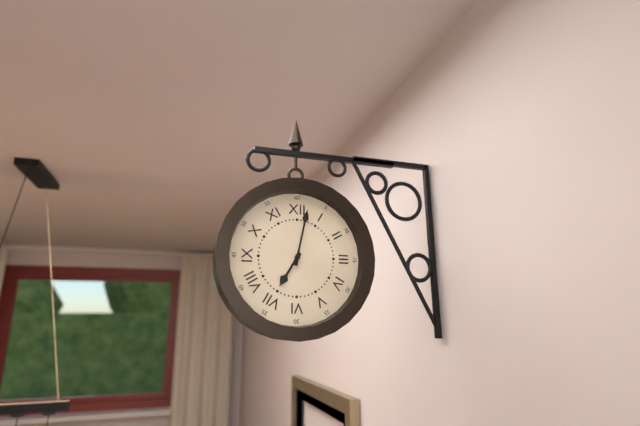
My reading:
7 h 02 min
